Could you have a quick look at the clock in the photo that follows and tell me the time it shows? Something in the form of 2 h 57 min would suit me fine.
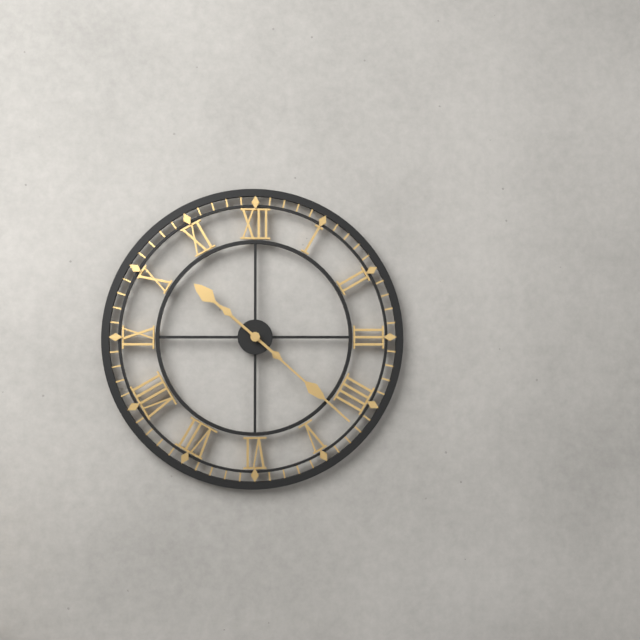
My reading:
10 h 22 min
